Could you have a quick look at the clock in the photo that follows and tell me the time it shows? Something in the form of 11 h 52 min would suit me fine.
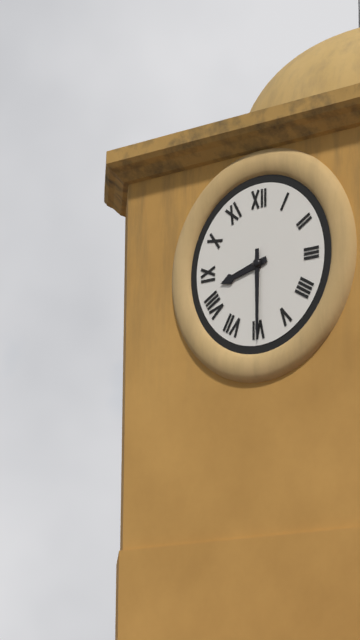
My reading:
8 h 30 min
